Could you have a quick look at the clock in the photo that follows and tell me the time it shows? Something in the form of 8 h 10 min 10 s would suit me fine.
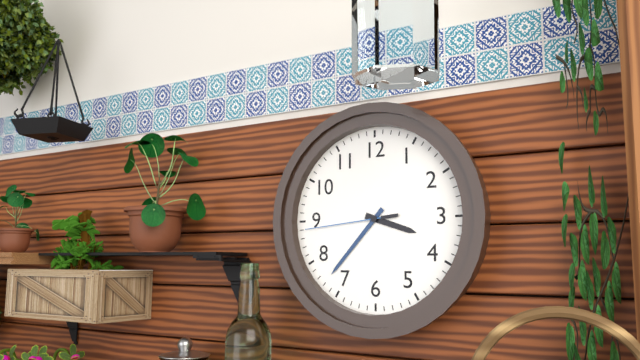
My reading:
3 h 37 min 44 s
